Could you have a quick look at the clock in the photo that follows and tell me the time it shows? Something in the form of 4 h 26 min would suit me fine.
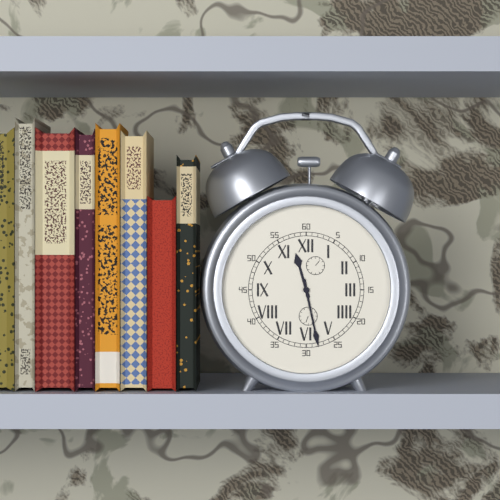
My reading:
11 h 28 min
